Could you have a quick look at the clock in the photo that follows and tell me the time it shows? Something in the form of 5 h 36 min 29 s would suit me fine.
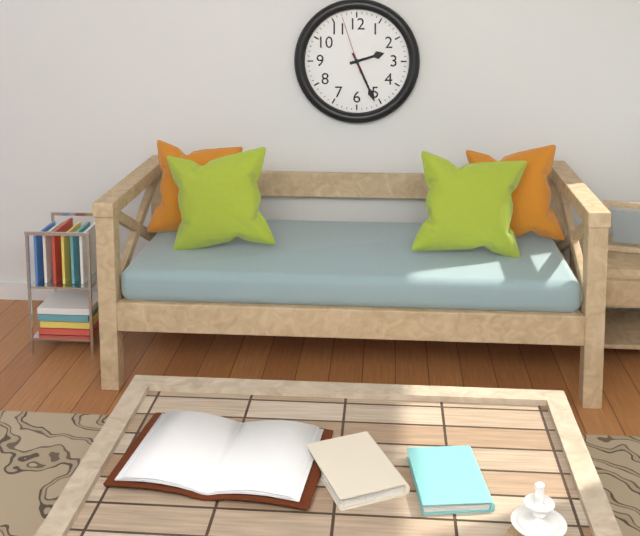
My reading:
2 h 26 min 57 s
